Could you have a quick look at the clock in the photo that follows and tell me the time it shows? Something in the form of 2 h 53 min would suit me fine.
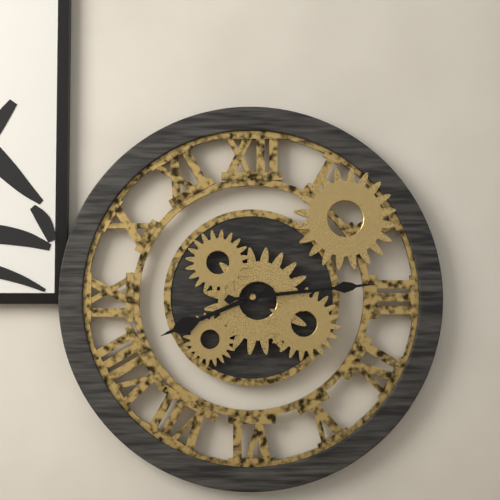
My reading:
8 h 14 min
